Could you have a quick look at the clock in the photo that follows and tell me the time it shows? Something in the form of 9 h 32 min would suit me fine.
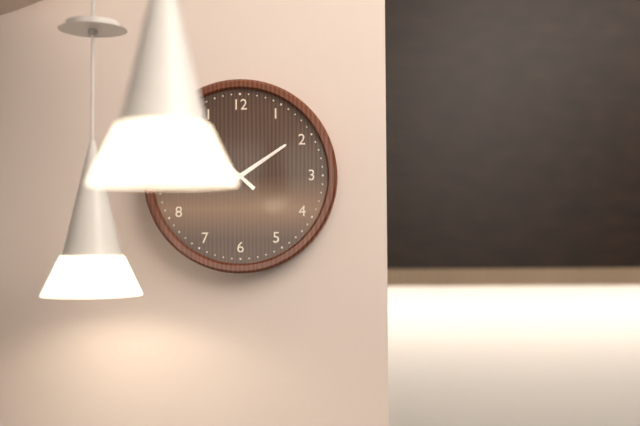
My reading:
1 h 52 min
